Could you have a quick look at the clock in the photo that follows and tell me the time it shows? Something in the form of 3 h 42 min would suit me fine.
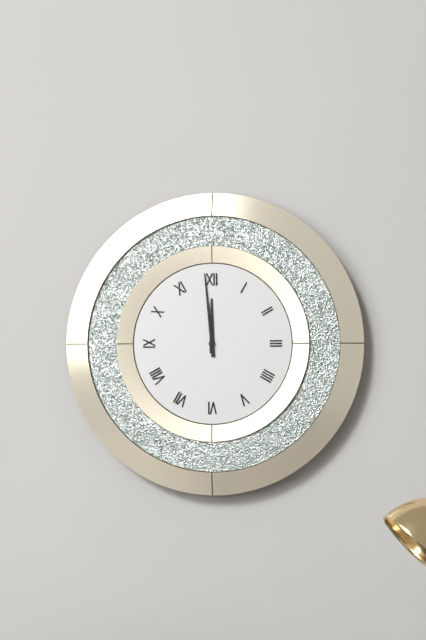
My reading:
11 h 59 min
